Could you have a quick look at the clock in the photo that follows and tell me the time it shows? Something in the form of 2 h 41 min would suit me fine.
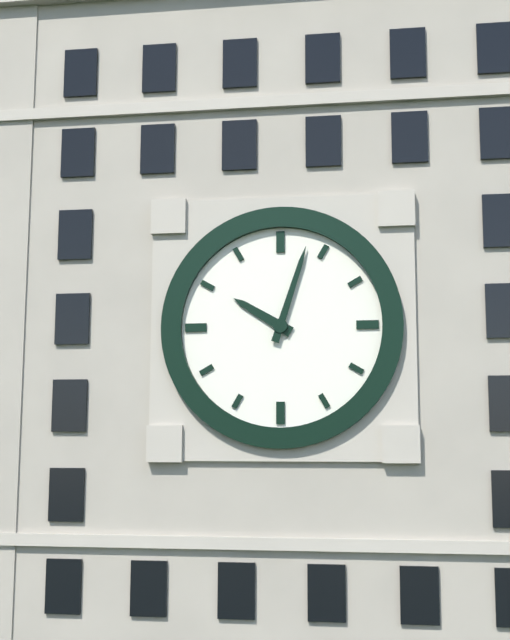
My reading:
10 h 03 min
